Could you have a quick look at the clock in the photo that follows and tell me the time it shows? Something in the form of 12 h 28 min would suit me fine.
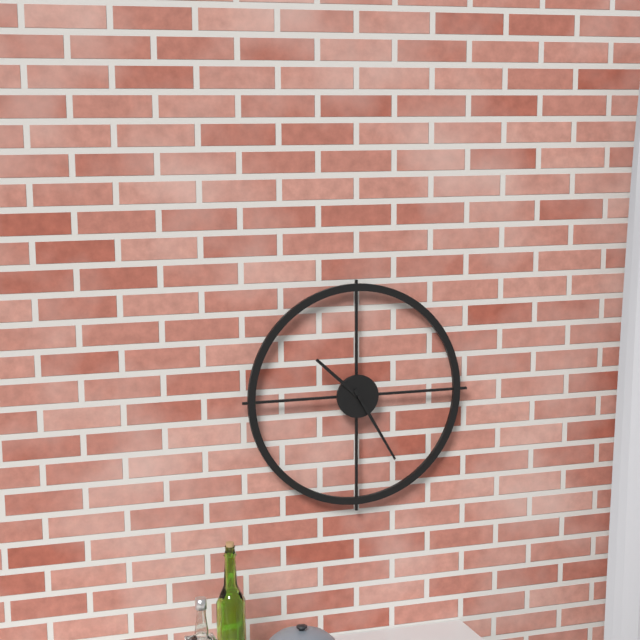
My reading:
10 h 25 min
